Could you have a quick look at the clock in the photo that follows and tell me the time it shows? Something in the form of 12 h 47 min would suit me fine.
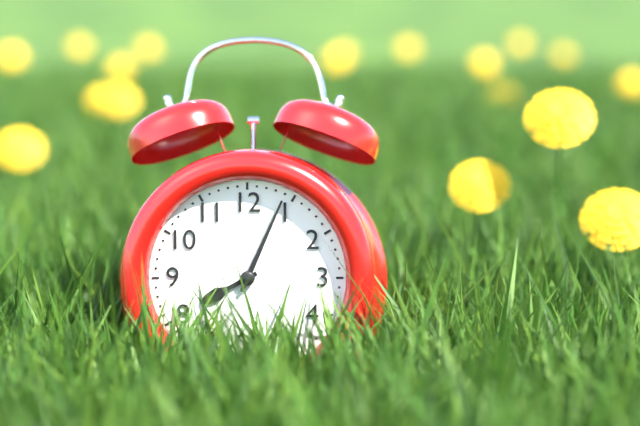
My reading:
8 h 04 min
